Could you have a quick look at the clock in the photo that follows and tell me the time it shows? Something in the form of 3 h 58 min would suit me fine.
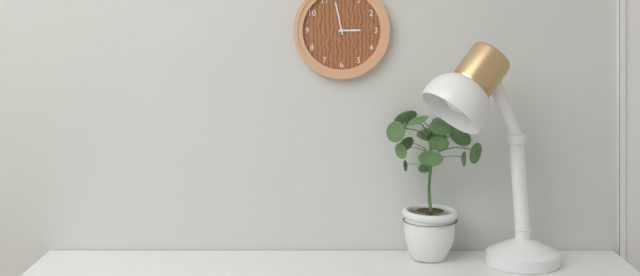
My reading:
2 h 58 min
